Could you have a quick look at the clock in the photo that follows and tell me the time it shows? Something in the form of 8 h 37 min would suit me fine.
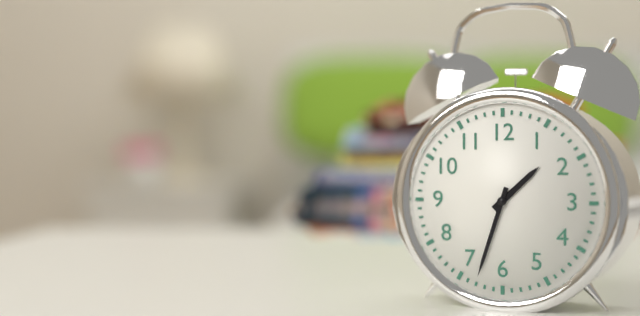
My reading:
1 h 33 min
